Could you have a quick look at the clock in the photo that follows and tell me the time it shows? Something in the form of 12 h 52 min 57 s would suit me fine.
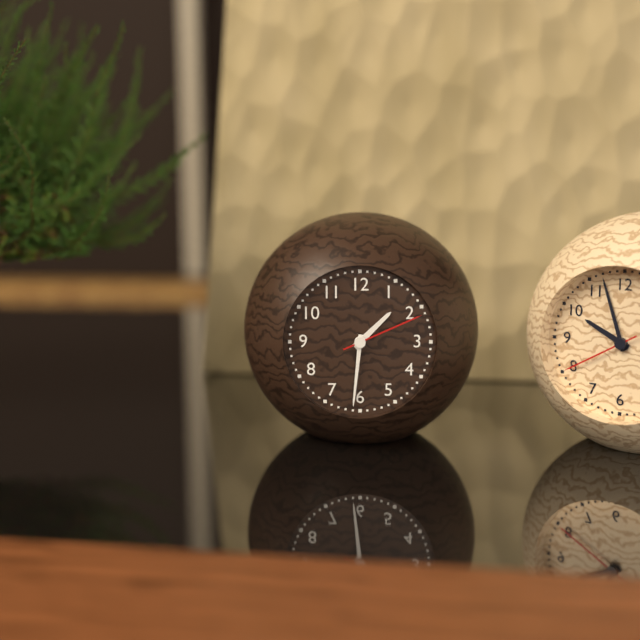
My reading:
1 h 31 min 11 s
